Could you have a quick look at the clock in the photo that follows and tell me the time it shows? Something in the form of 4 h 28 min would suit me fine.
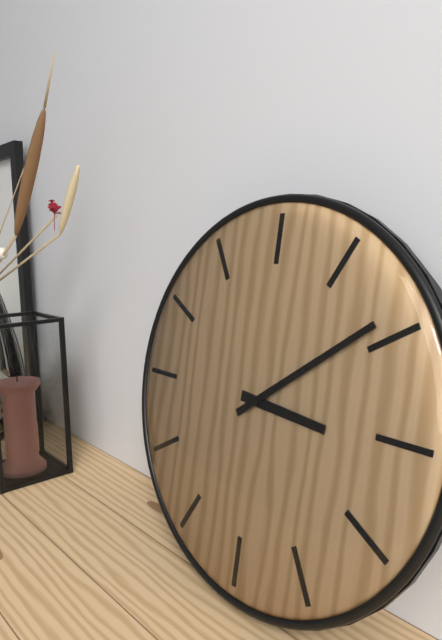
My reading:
3 h 09 min
